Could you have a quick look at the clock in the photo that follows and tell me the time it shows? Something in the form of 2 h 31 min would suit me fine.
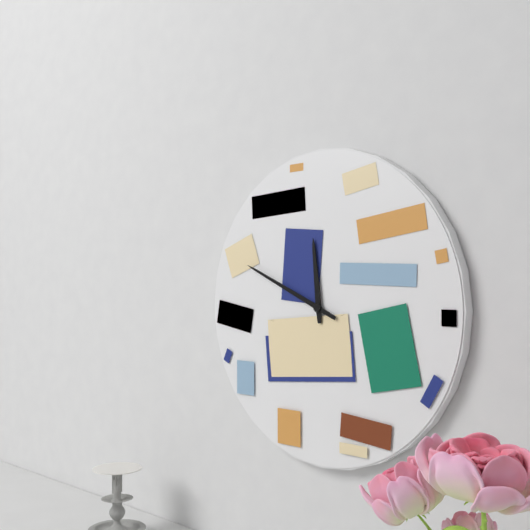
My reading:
11 h 49 min
